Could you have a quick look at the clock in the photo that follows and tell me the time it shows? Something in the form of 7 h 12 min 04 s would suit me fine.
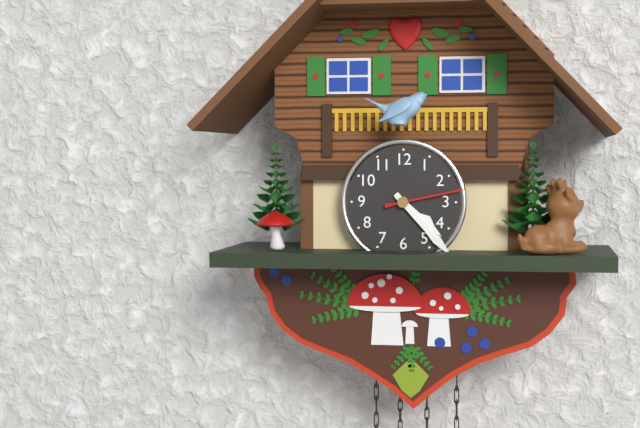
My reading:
4 h 23 min 13 s
